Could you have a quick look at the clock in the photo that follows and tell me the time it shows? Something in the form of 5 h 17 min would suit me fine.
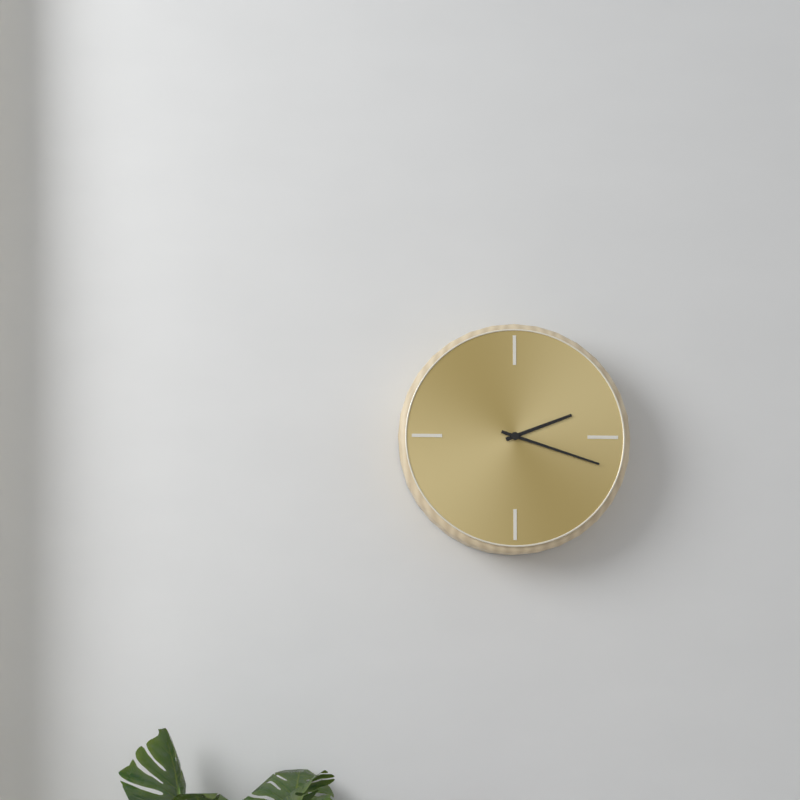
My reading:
2 h 18 min
